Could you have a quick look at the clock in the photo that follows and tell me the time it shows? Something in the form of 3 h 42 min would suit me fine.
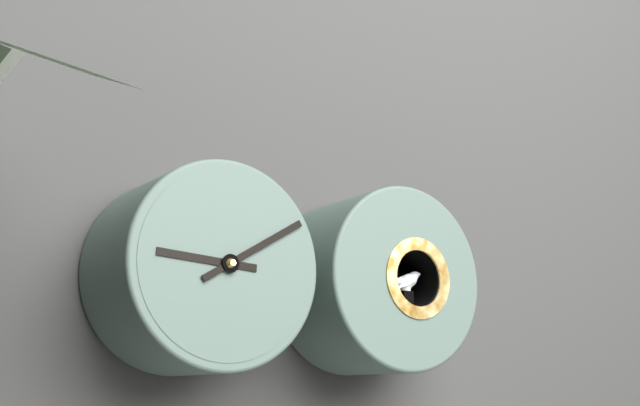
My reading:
9 h 10 min
